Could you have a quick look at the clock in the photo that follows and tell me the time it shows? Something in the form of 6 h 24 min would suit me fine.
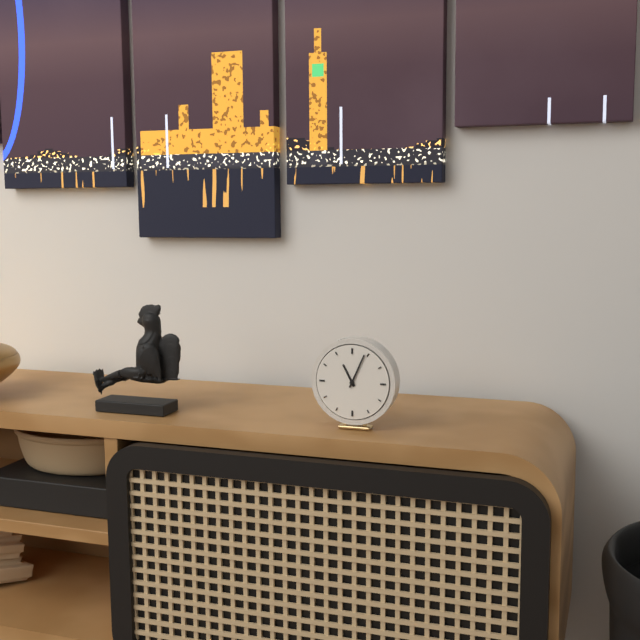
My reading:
11 h 04 min
